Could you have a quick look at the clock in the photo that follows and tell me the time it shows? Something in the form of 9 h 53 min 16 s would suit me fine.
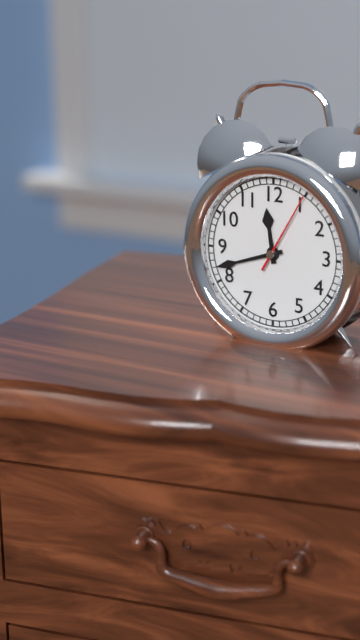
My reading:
11 h 42 min 05 s
